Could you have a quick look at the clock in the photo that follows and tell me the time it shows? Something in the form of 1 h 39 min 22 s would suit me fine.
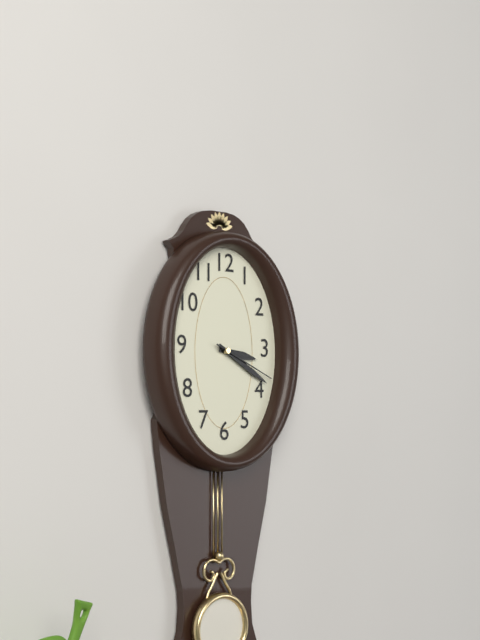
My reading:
3 h 20 min 19 s
